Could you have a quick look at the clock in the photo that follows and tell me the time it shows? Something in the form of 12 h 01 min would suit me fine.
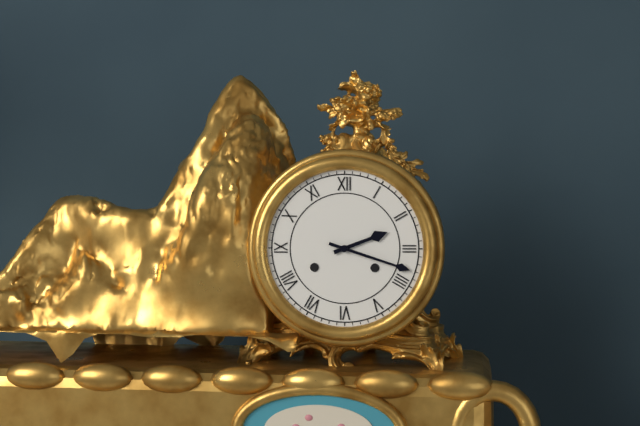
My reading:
2 h 18 min
